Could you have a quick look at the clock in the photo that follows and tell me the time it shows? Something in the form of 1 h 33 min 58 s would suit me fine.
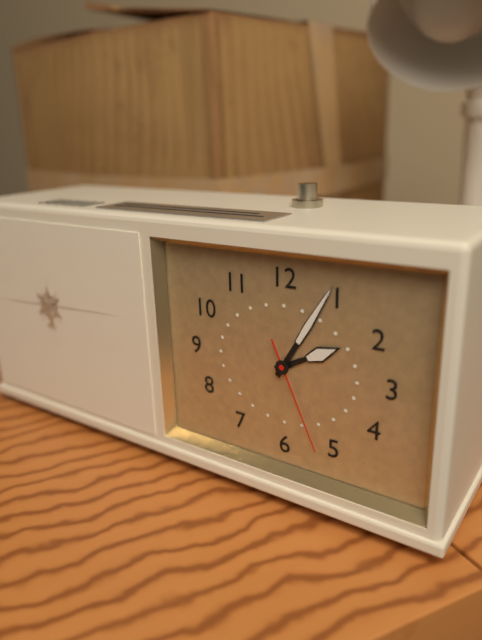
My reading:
2 h 05 min 26 s
